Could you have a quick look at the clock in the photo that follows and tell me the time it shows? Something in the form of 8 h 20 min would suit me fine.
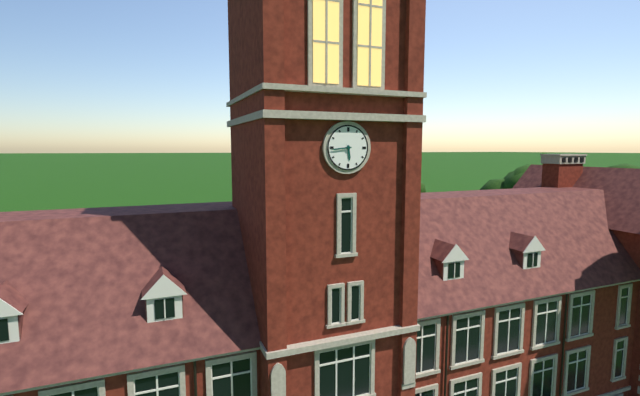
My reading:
5 h 44 min
